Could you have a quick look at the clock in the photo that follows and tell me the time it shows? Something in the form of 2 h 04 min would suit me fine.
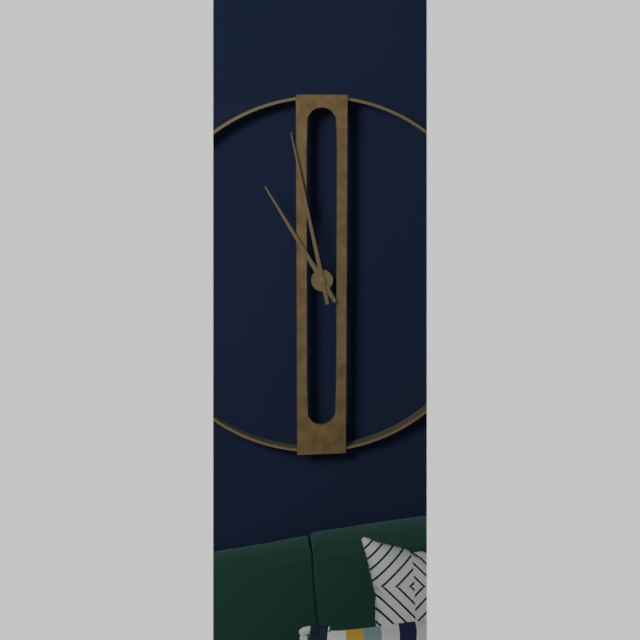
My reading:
10 h 58 min
